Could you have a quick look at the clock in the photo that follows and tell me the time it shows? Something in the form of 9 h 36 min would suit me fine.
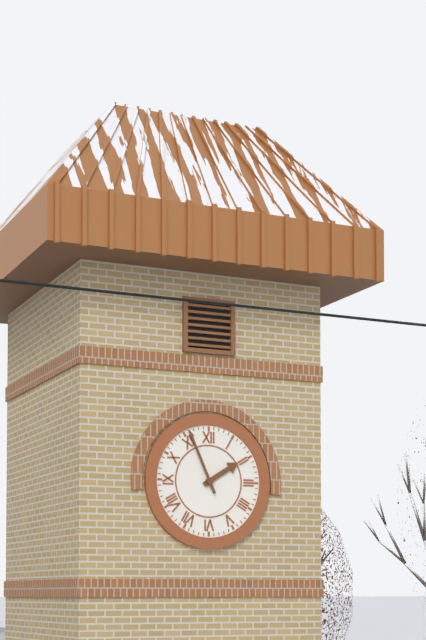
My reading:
1 h 56 min
